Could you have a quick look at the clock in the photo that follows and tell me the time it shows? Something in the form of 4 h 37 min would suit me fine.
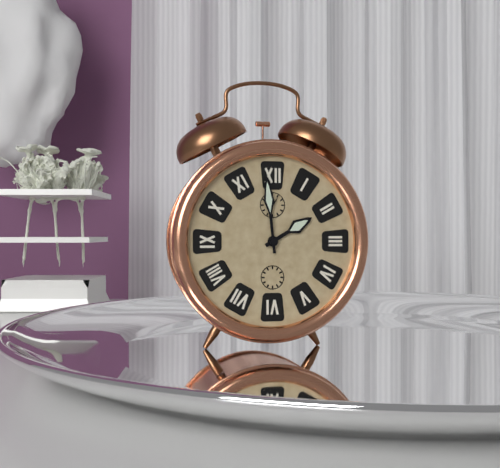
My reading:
1 h 59 min
